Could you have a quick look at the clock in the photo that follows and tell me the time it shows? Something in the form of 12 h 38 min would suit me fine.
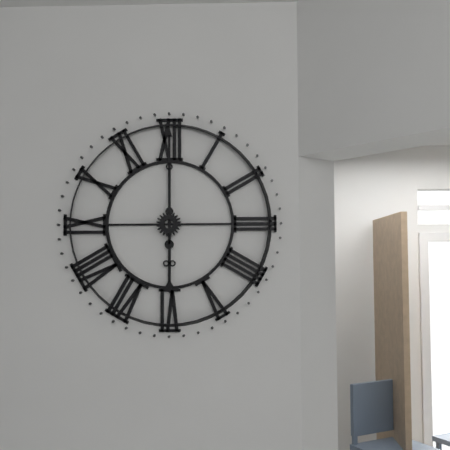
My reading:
6 h 00 min
